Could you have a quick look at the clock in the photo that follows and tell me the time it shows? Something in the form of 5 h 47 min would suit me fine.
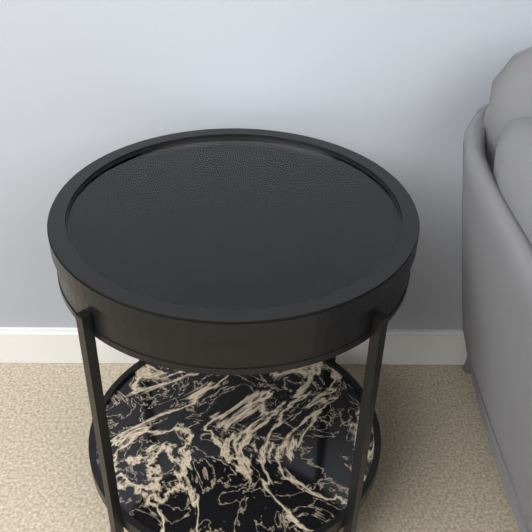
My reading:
1 h 42 min
